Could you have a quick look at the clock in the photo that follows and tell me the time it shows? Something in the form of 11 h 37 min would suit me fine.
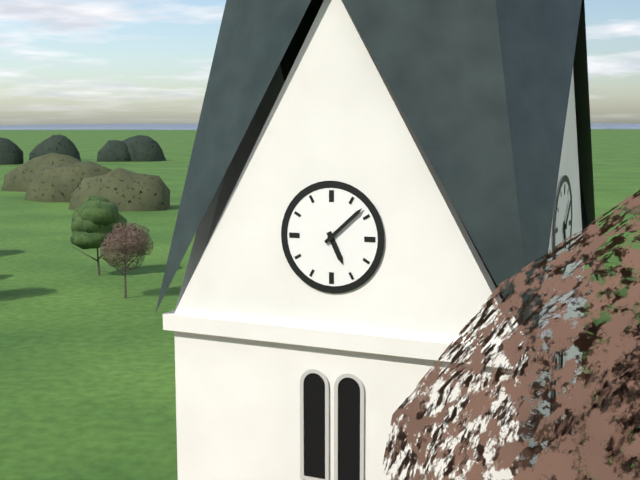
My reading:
5 h 08 min
